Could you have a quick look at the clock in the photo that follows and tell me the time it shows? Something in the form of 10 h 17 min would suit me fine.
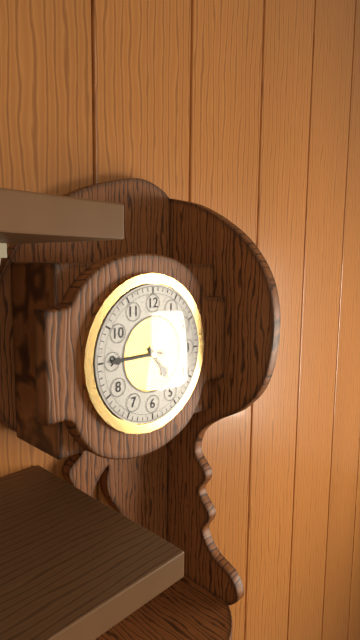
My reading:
4 h 45 min
